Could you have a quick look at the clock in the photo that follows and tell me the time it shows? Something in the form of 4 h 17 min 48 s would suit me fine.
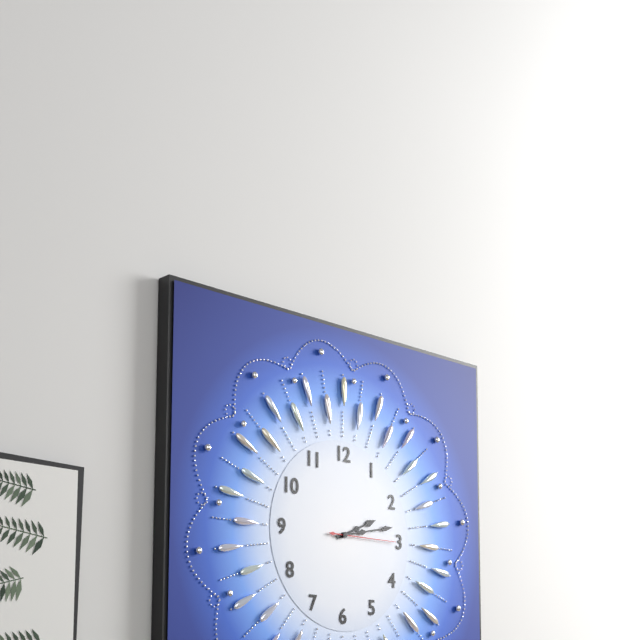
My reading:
2 h 13 min 15 s
